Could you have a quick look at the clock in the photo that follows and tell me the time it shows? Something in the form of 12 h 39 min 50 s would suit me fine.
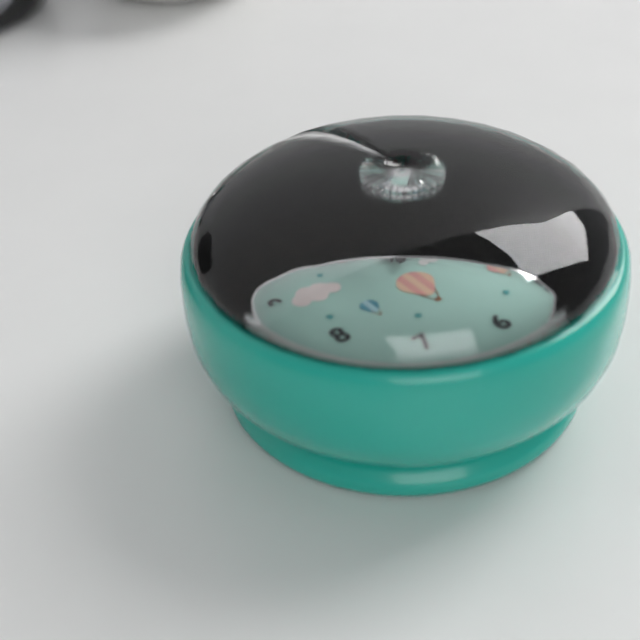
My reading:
3 h 07 min 09 s
